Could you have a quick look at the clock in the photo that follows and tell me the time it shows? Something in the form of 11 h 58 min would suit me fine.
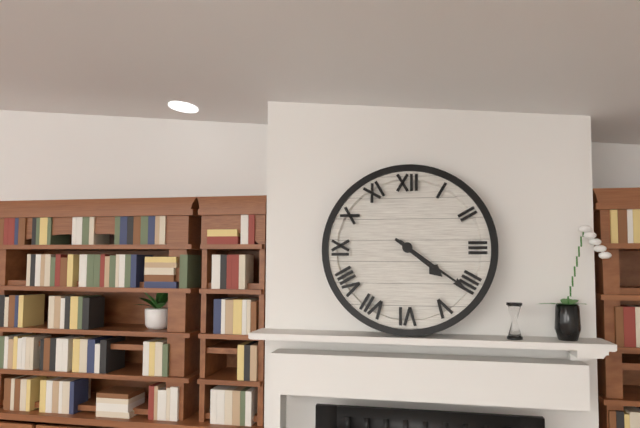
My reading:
4 h 21 min
